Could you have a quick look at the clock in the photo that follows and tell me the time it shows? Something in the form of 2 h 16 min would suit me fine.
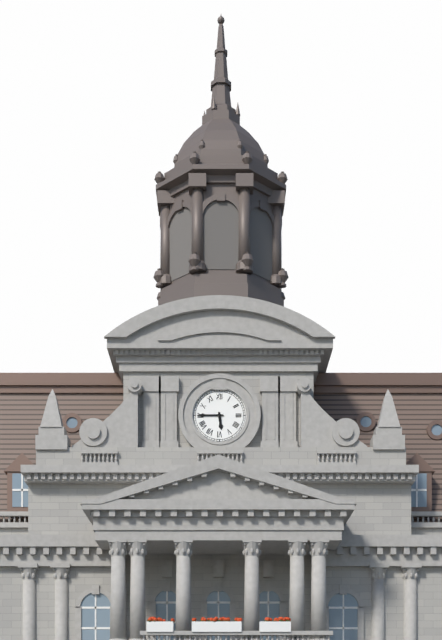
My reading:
5 h 45 min
